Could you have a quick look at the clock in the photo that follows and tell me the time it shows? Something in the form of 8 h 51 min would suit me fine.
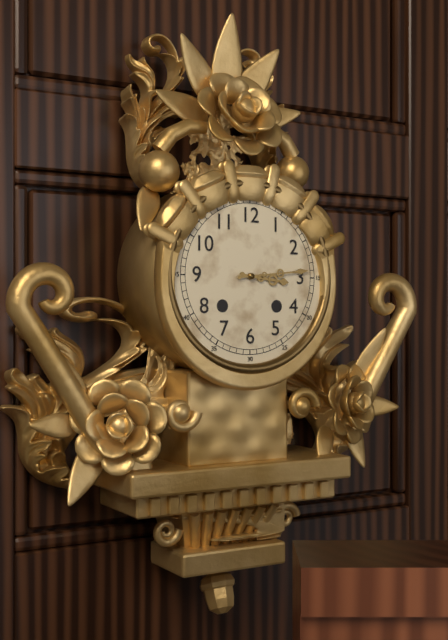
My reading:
3 h 14 min
